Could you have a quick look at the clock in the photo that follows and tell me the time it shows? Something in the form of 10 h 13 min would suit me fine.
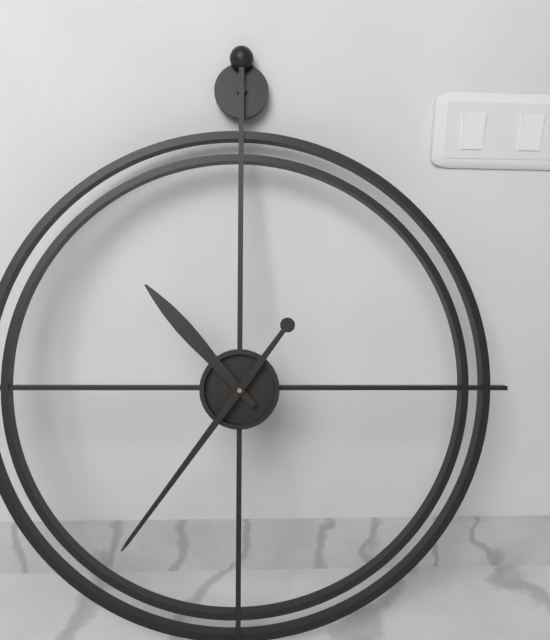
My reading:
10 h 36 min
